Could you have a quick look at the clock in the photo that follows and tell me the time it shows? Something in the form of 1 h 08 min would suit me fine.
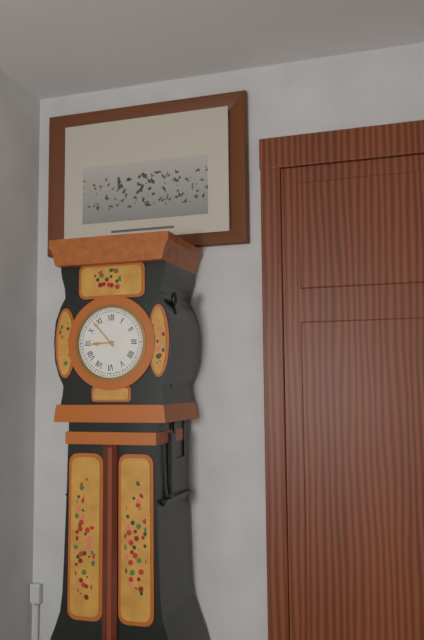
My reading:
8 h 53 min
